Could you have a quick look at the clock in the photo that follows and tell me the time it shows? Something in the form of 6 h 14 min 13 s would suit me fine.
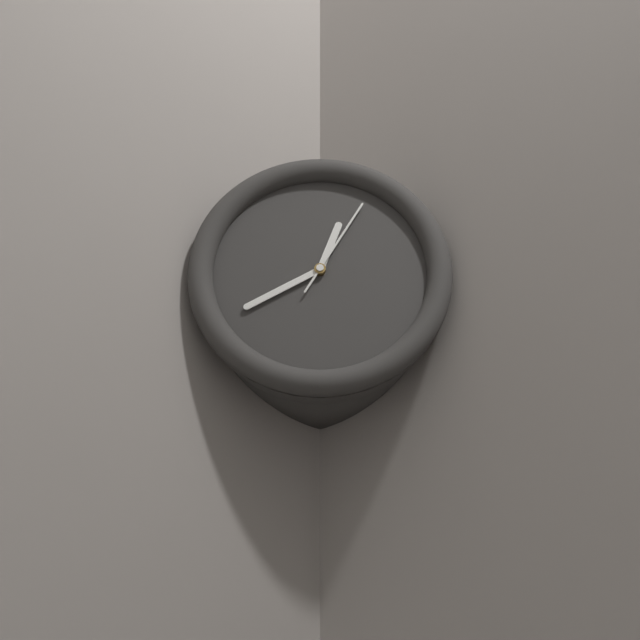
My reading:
12 h 40 min 05 s
